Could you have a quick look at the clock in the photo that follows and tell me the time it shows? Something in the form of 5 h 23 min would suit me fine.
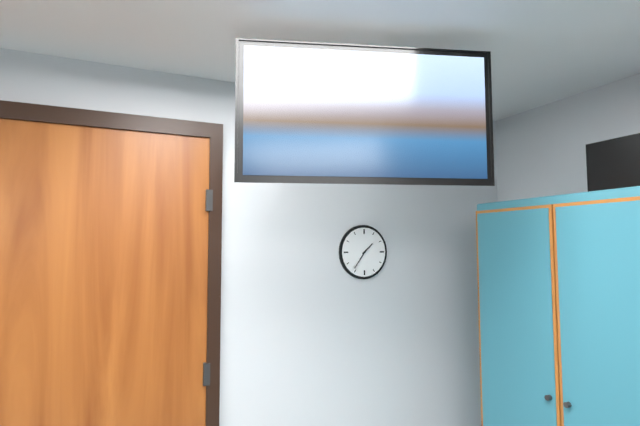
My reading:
1 h 36 min
